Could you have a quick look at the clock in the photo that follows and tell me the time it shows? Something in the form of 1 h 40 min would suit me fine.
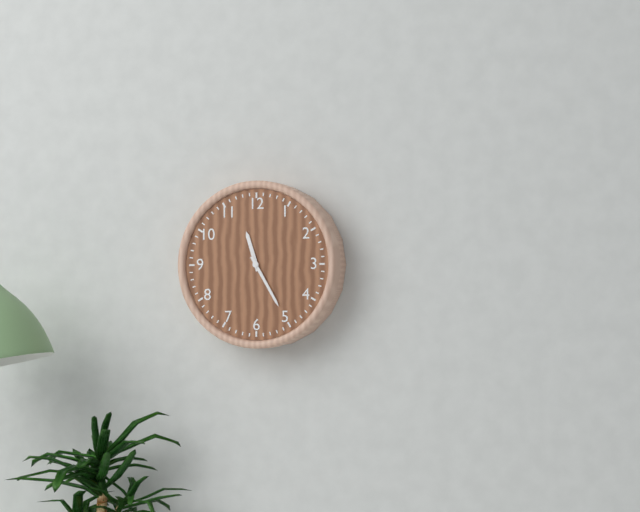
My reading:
11 h 25 min
